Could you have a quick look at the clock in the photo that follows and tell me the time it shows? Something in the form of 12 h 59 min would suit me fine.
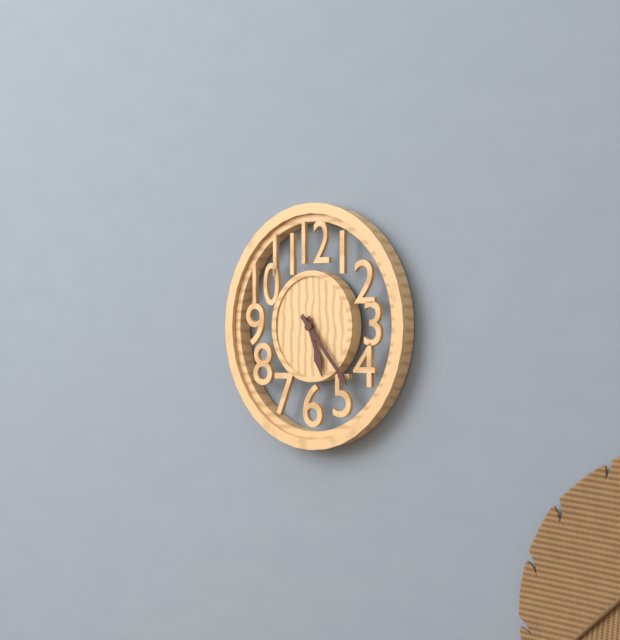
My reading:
5 h 23 min
